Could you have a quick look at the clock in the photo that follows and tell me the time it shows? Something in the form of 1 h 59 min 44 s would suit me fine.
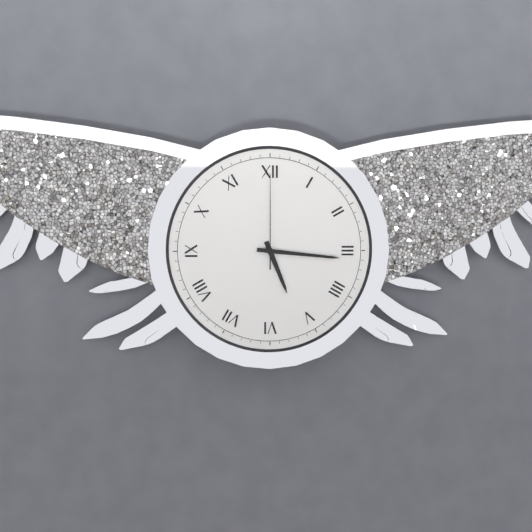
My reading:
5 h 16 min 00 s
